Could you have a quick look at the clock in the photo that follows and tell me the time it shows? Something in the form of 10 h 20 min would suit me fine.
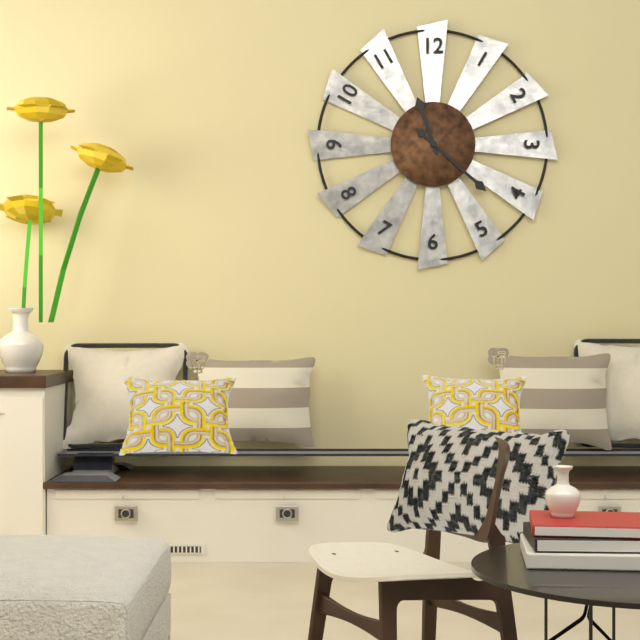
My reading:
11 h 22 min
